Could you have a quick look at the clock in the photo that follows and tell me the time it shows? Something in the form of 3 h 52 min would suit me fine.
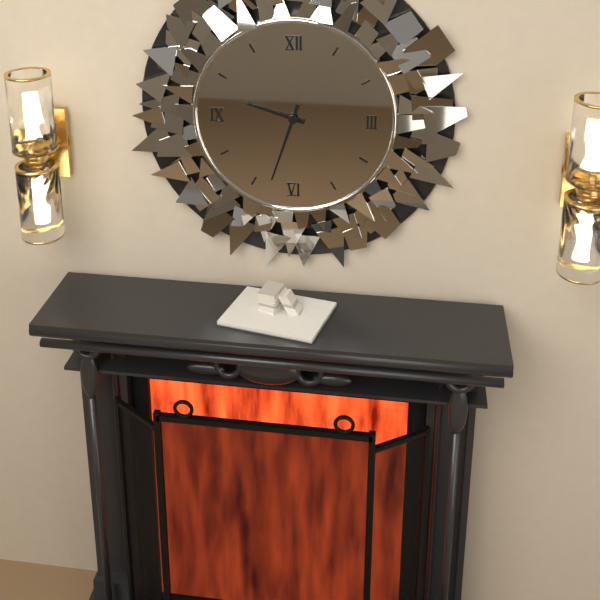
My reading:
9 h 33 min
